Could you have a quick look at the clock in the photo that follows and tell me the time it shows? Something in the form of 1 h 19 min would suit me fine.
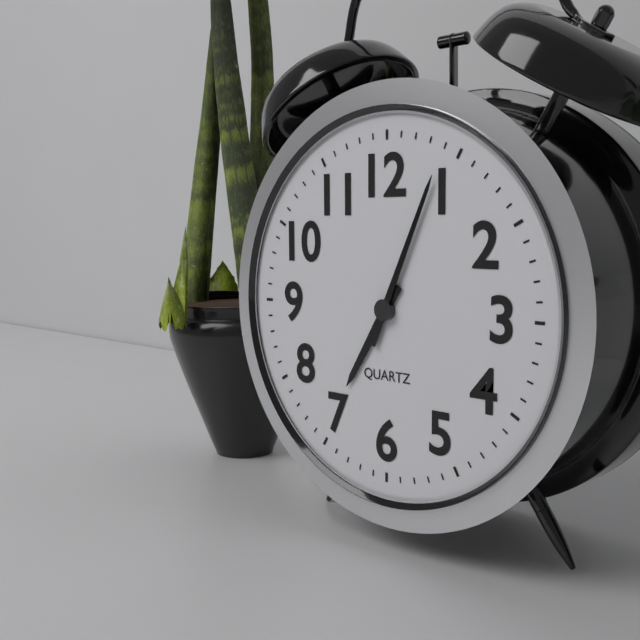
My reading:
7 h 04 min
